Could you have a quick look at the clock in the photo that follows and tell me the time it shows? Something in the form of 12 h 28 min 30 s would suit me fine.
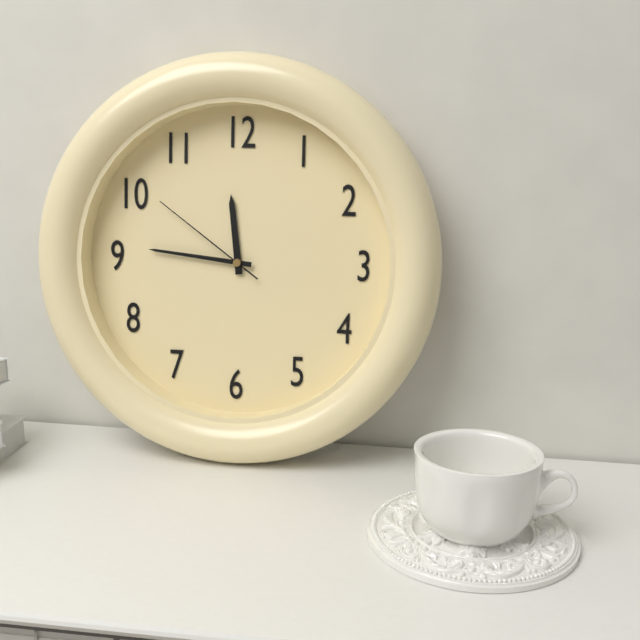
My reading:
11 h 46 min 51 s
